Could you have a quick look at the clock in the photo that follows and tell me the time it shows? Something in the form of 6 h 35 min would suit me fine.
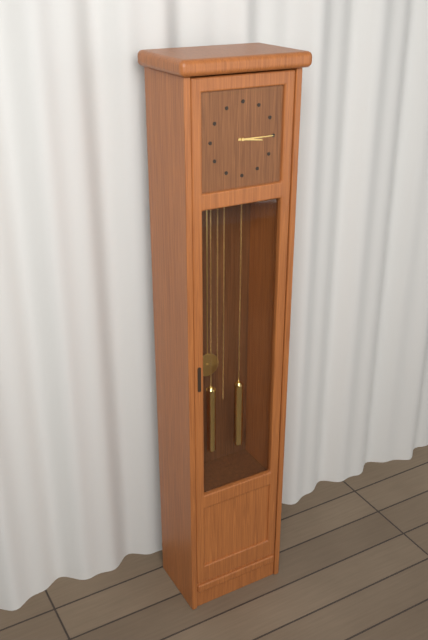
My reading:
3 h 15 min
